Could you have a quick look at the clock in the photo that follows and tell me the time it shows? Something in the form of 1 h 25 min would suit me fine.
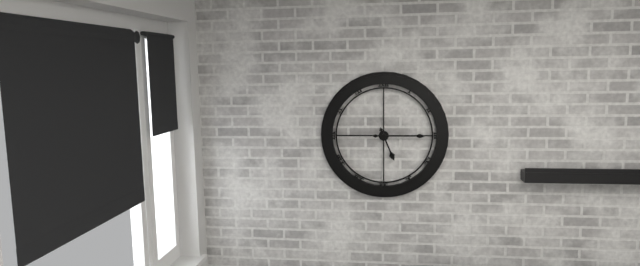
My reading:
5 h 15 min
